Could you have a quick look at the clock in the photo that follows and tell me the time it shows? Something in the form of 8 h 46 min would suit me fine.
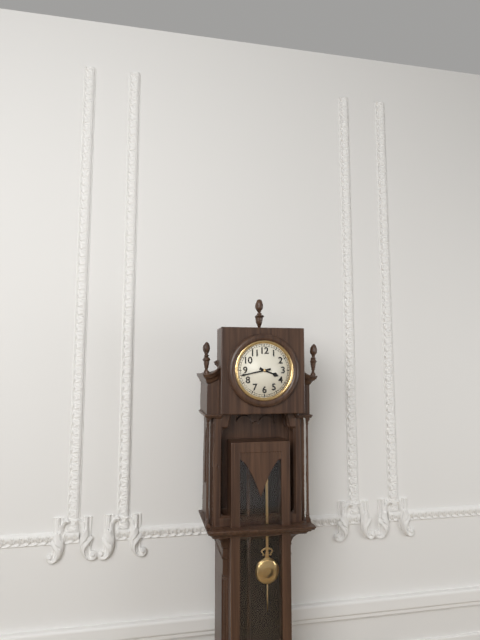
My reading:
3 h 43 min
